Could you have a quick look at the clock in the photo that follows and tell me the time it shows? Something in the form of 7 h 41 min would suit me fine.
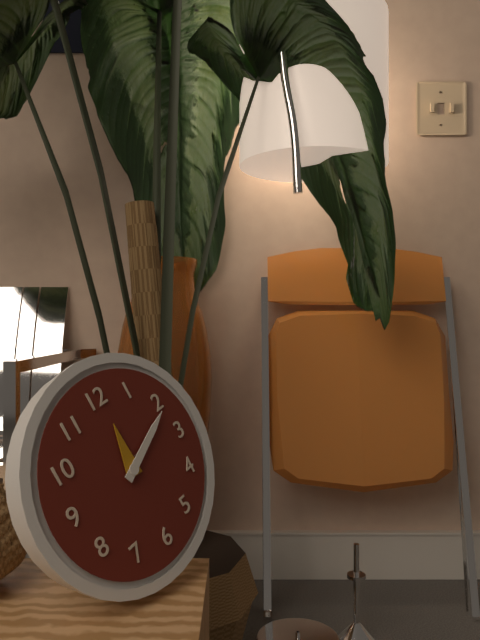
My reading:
12 h 11 min
